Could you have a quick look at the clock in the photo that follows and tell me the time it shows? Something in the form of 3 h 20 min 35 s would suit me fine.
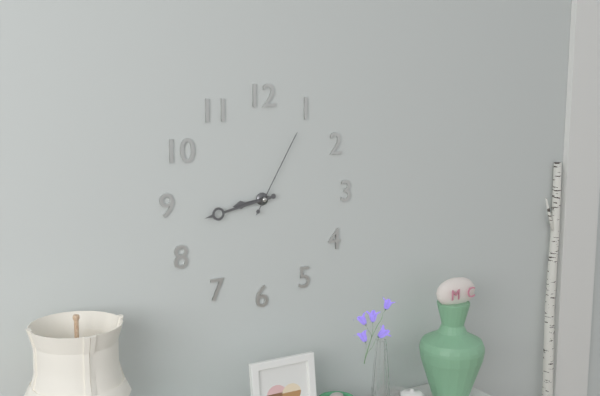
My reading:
8 h 43 min 05 s
